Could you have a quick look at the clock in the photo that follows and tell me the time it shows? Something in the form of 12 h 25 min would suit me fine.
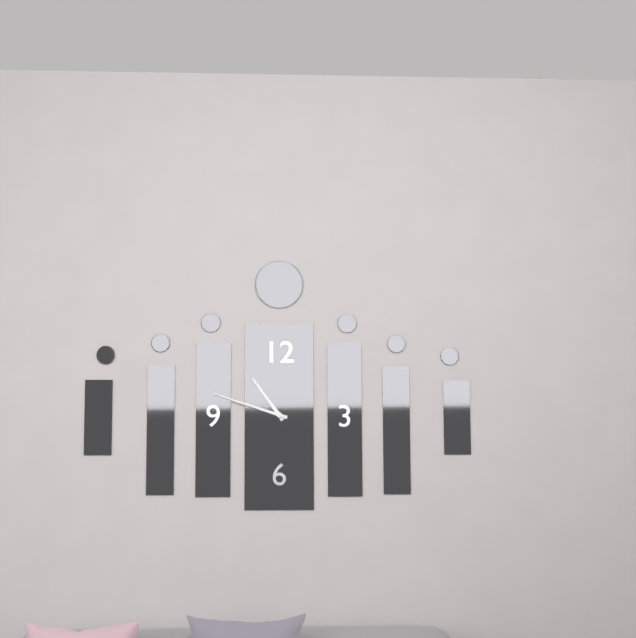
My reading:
10 h 48 min
